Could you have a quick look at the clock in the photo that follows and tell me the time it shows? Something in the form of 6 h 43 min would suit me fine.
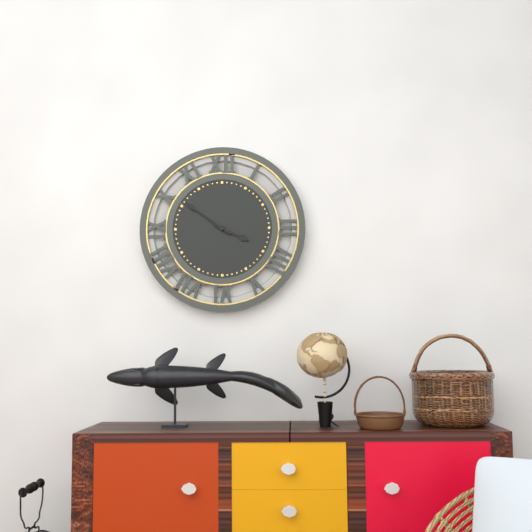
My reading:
3 h 51 min
